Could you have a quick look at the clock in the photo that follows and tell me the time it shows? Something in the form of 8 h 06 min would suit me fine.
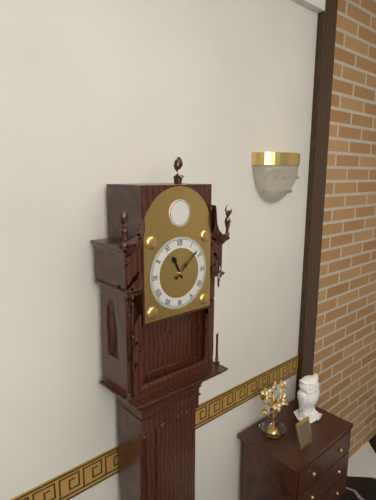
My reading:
11 h 08 min
